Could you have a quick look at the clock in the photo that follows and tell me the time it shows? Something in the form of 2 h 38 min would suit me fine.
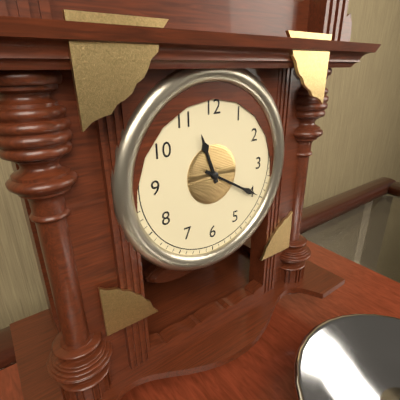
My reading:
11 h 20 min
